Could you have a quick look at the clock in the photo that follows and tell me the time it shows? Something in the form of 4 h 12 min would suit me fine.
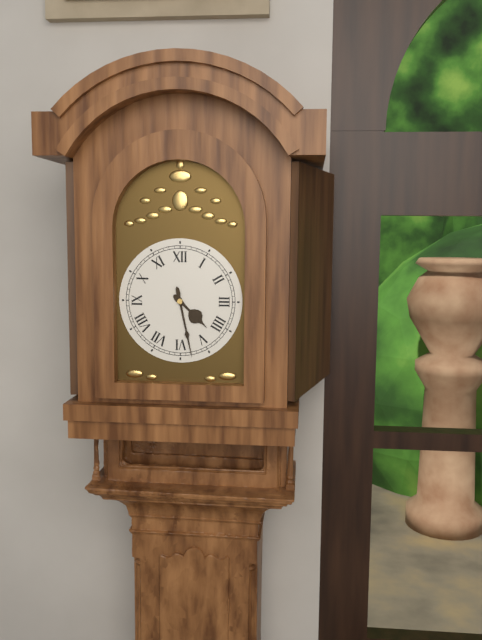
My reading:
4 h 28 min
